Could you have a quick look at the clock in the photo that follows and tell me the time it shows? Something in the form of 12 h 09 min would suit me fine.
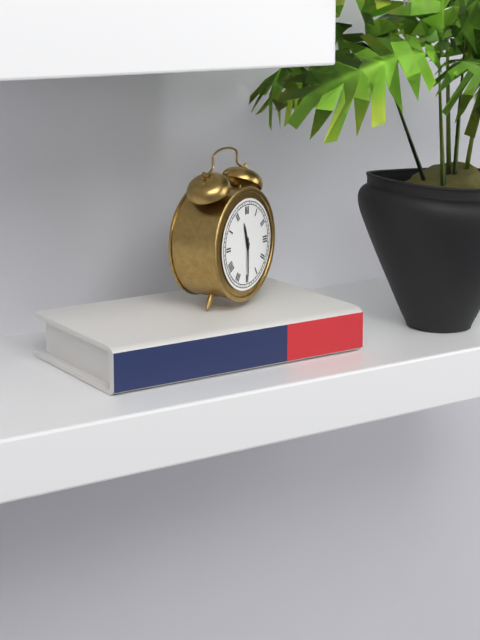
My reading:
11 h 30 min
